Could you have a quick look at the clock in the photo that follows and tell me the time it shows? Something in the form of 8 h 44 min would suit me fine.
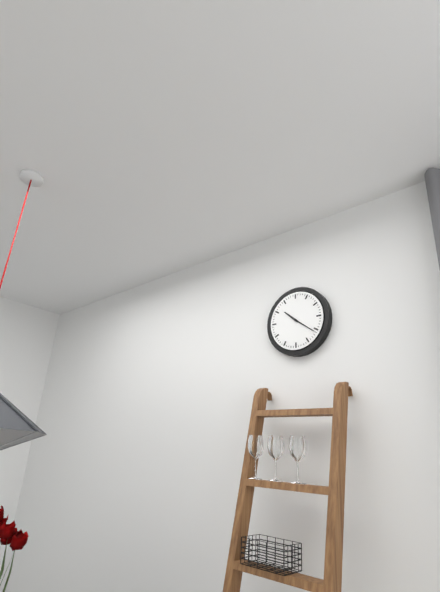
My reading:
10 h 21 min
